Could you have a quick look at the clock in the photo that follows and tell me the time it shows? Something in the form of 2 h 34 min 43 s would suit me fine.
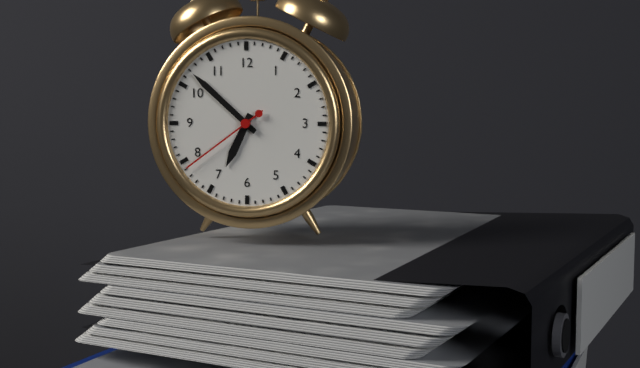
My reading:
6 h 52 min 39 s
